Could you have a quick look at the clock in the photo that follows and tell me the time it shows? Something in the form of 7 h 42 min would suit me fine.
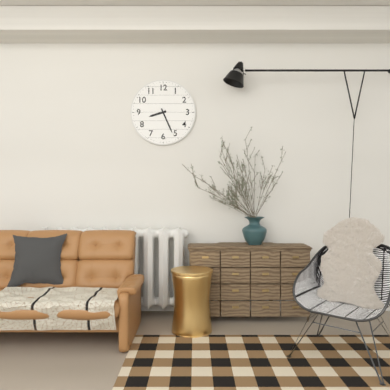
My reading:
8 h 26 min
